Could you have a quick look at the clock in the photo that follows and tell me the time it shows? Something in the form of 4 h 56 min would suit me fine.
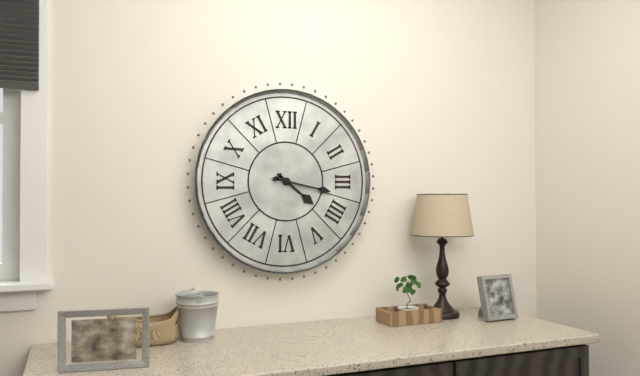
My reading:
4 h 17 min
